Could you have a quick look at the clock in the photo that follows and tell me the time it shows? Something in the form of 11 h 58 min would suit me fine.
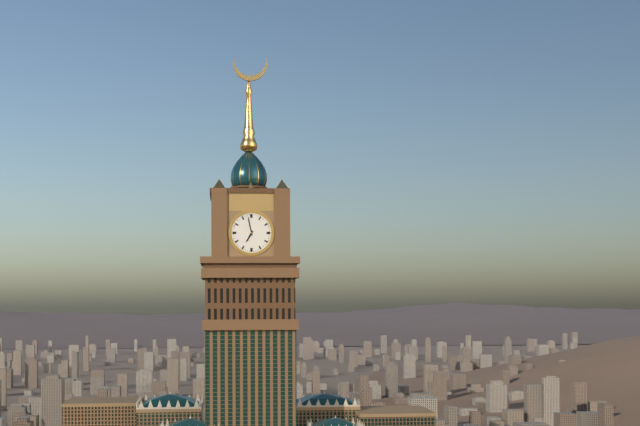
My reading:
6 h 58 min
